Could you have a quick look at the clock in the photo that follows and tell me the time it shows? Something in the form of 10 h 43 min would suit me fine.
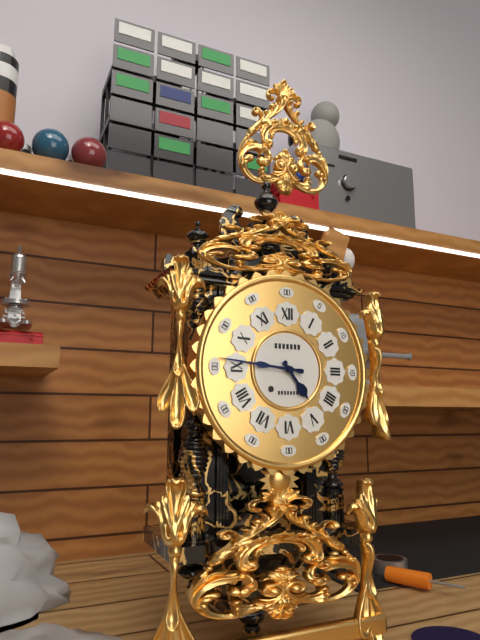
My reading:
4 h 46 min
